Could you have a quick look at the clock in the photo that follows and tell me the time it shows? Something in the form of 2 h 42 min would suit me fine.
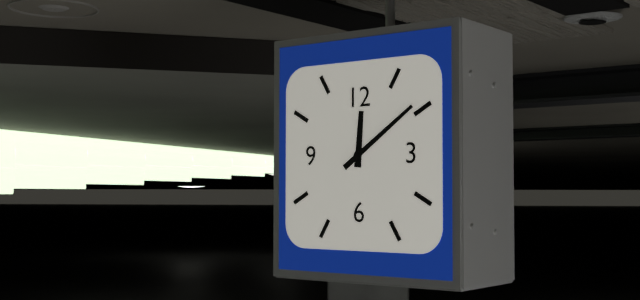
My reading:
12 h 09 min
